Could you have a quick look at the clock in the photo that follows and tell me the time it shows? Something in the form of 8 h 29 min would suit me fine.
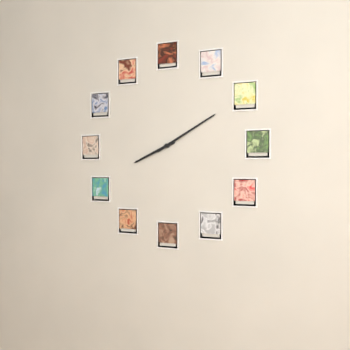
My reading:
8 h 10 min
